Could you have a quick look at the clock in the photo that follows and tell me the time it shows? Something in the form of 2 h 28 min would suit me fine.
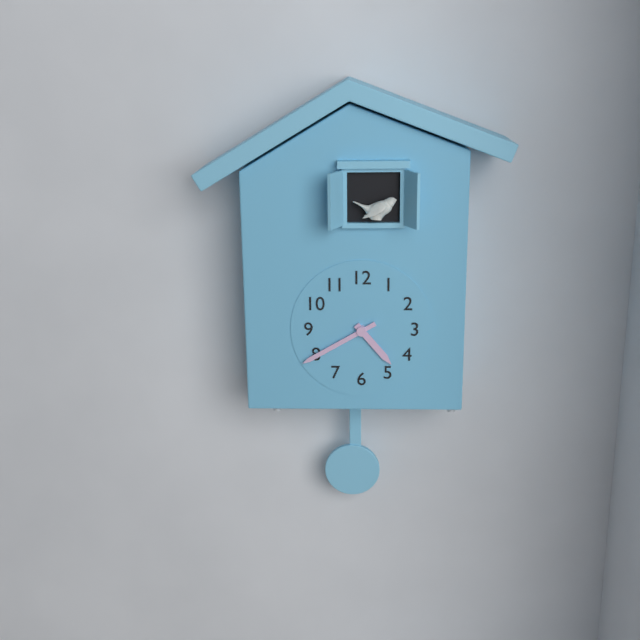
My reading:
4 h 40 min
